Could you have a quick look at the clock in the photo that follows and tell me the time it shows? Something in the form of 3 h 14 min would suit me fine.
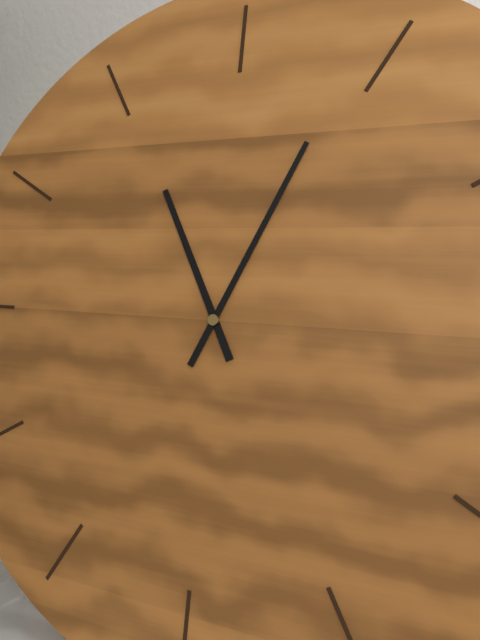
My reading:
11 h 04 min
